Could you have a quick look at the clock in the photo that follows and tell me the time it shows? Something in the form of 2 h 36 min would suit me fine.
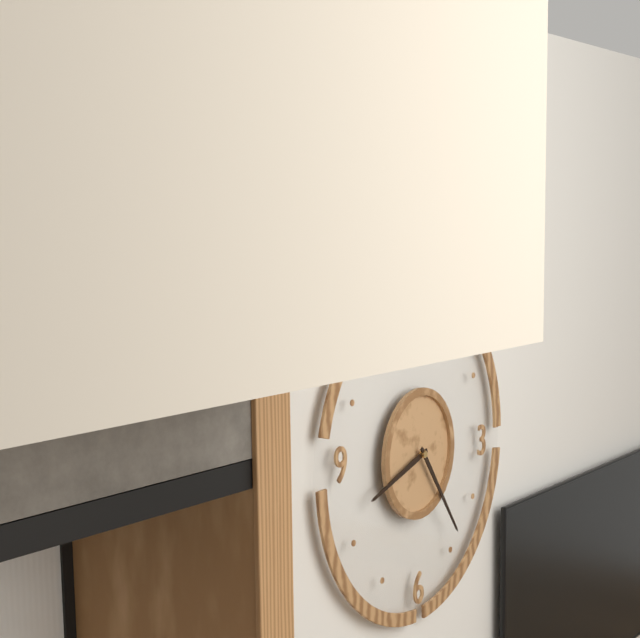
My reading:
8 h 24 min
